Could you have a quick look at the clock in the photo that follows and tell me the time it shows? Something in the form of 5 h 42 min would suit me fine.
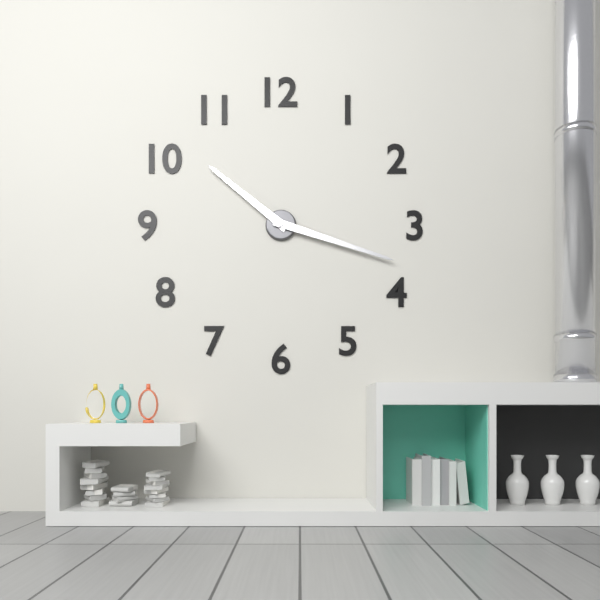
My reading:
10 h 18 min
